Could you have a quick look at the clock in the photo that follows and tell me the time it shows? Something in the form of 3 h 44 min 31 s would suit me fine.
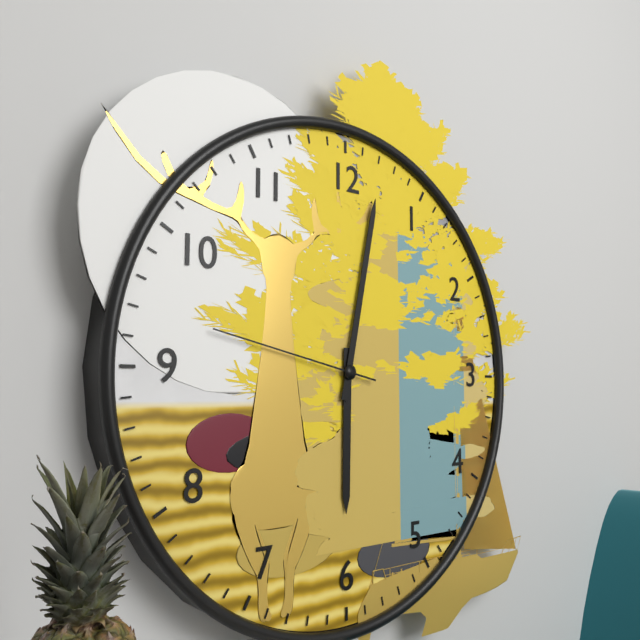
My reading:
6 h 02 min 47 s
